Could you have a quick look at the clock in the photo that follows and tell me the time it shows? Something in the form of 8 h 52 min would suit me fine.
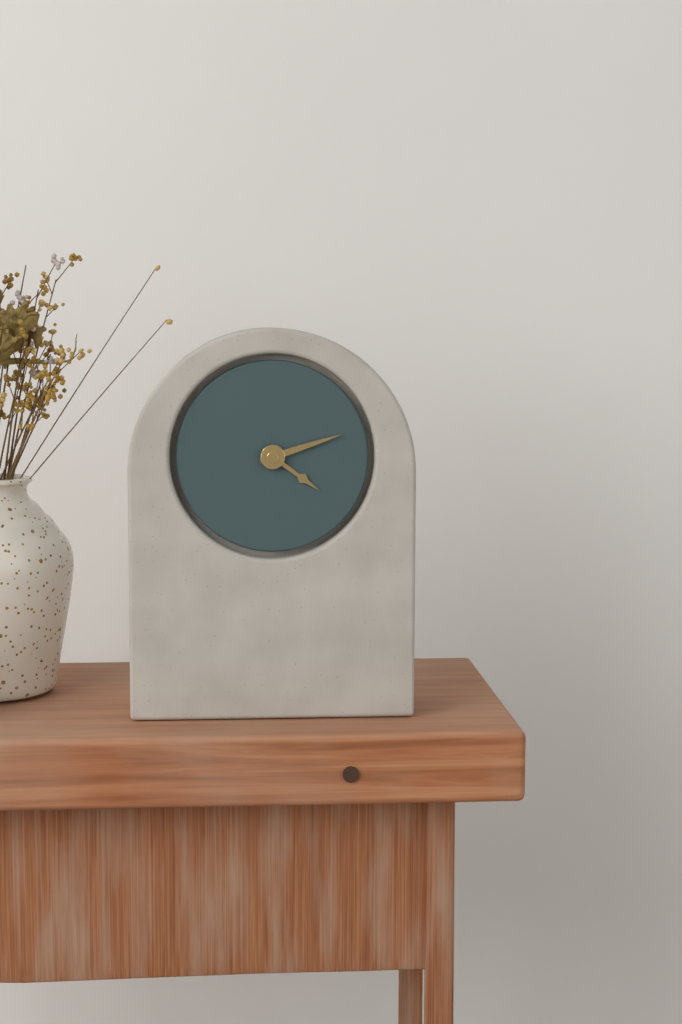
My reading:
4 h 12 min
